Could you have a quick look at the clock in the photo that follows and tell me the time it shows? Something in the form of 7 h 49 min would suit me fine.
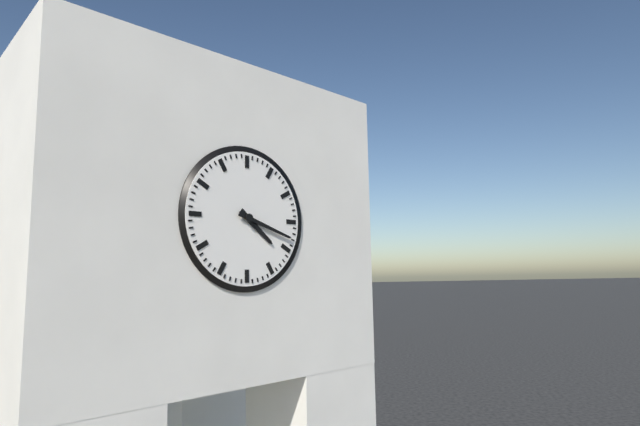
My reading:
4 h 18 min
